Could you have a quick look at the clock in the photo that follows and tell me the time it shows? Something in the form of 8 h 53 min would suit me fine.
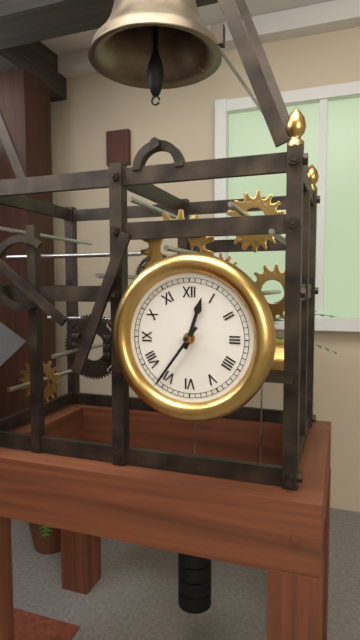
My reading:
12 h 36 min
